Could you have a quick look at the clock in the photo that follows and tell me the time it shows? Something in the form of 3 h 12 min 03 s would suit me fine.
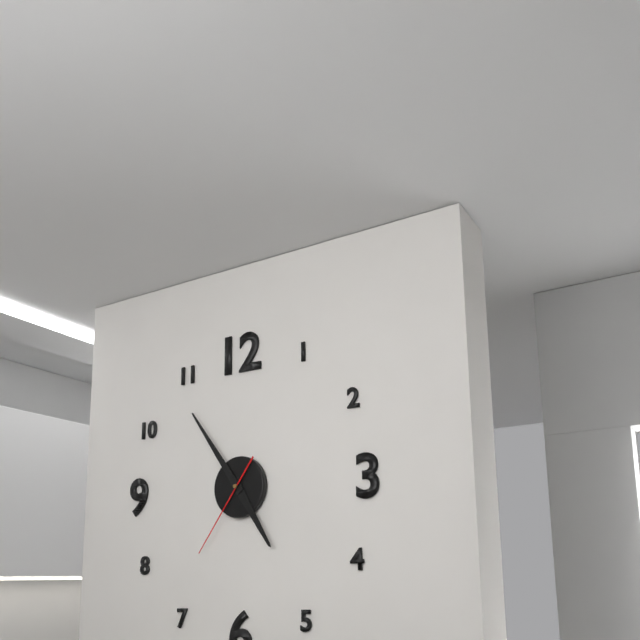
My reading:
4 h 54 min 36 s
